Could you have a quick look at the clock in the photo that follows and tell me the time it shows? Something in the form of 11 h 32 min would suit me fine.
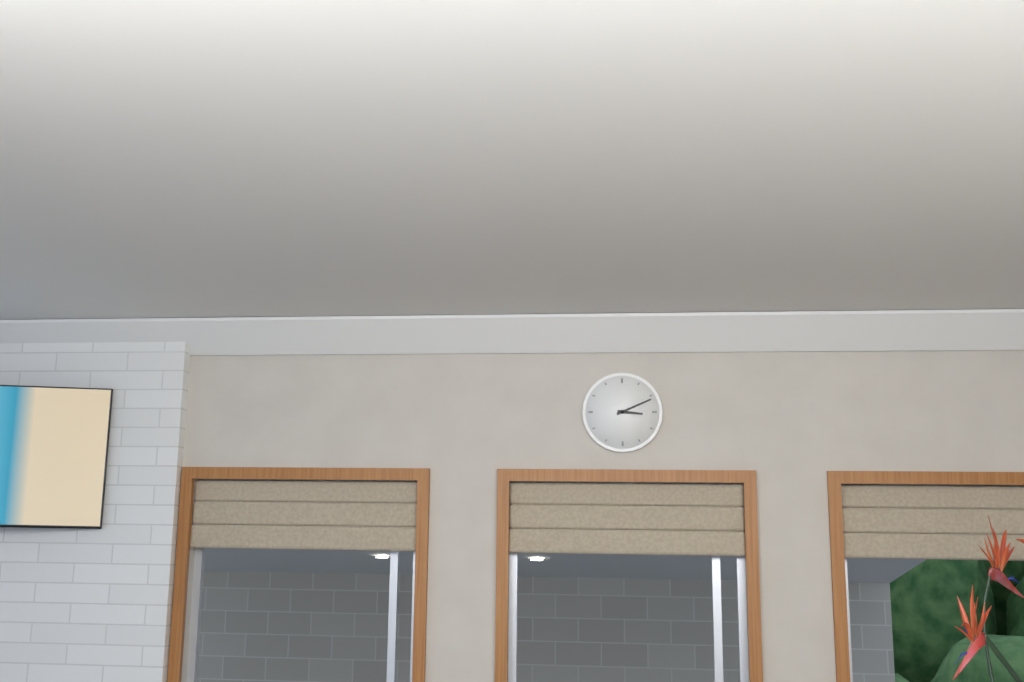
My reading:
3 h 11 min
